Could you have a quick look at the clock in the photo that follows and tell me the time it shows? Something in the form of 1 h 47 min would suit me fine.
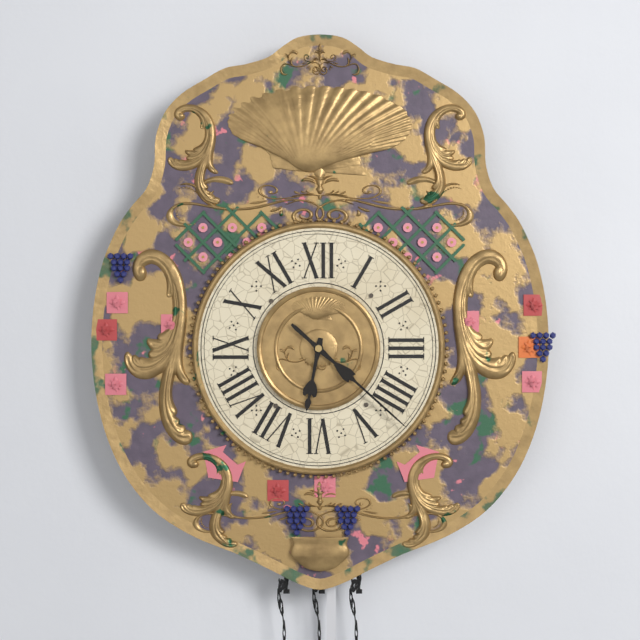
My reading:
6 h 22 min
